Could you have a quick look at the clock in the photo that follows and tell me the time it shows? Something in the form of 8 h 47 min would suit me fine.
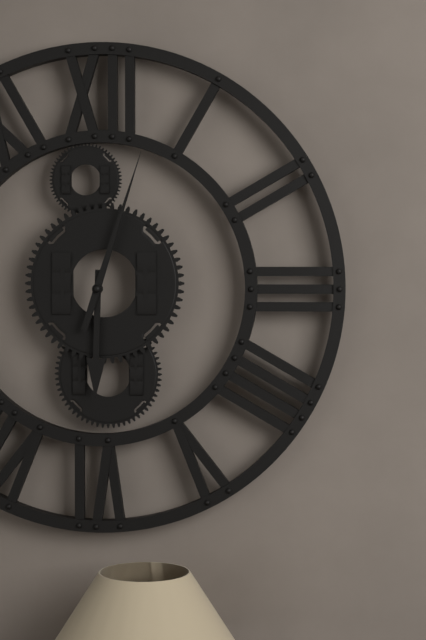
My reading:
6 h 03 min
